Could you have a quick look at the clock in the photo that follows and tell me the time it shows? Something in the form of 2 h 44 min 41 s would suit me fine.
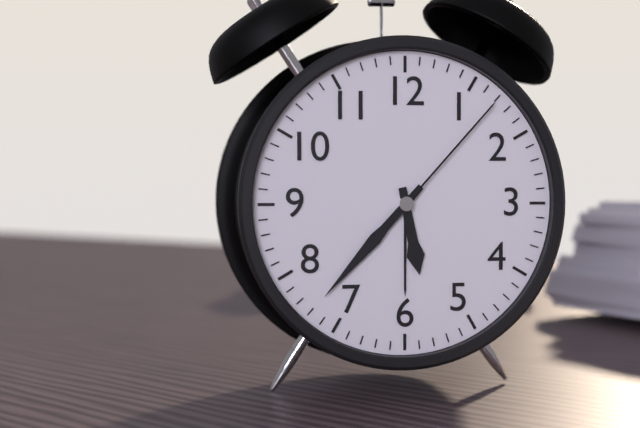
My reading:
5 h 37 min 07 s
